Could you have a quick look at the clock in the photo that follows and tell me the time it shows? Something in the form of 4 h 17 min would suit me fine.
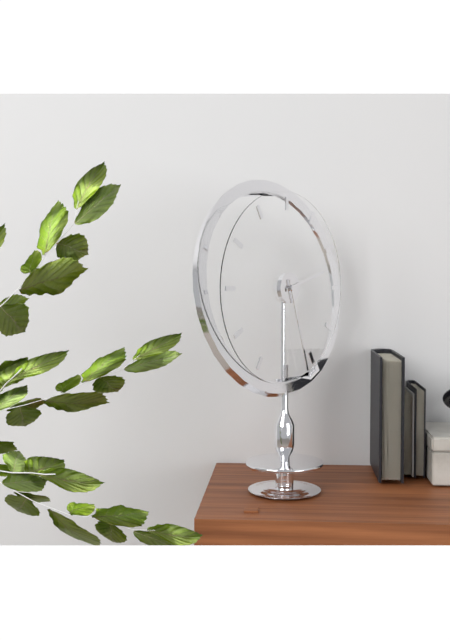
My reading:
2 h 27 min
